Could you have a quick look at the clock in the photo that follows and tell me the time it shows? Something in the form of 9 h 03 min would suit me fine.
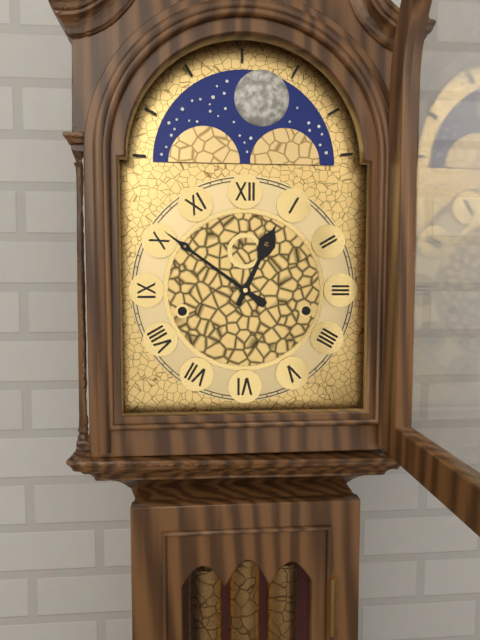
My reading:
12 h 51 min
